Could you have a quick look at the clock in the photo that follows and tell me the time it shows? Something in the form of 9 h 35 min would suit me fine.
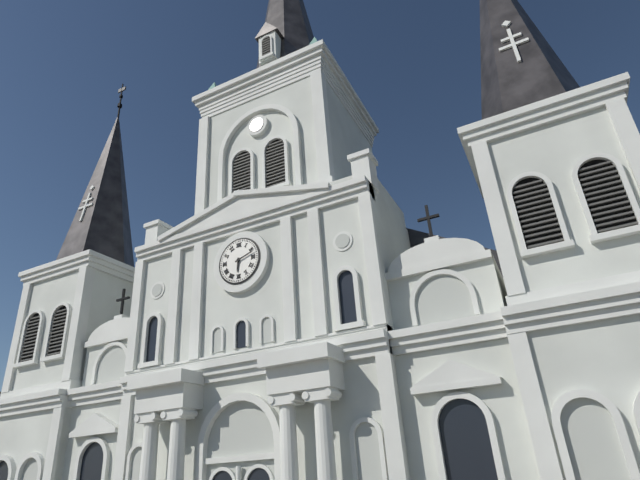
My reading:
6 h 12 min
